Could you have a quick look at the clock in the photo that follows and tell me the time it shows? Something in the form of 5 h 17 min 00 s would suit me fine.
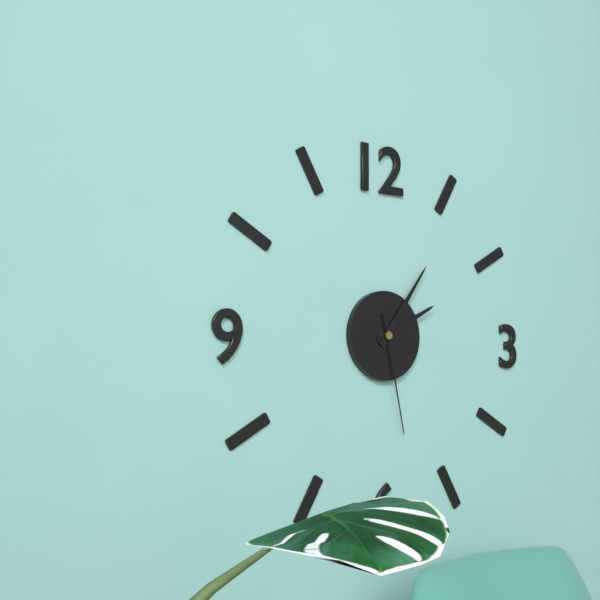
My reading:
2 h 06 min 28 s
